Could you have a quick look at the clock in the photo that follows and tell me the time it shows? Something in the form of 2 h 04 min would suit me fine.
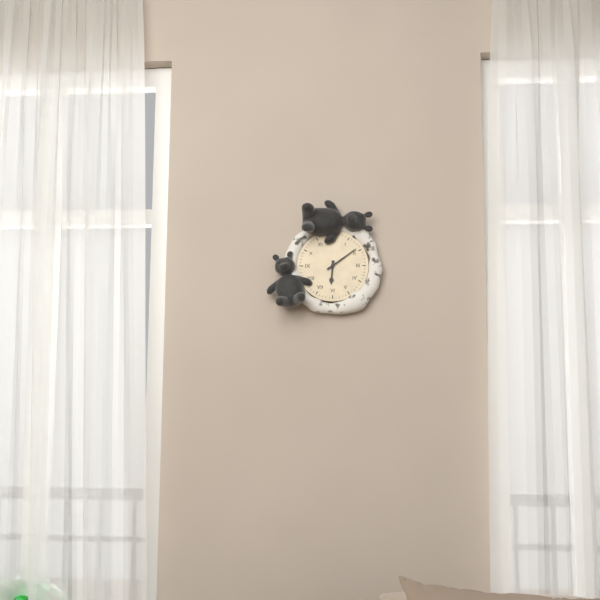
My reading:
6 h 09 min
